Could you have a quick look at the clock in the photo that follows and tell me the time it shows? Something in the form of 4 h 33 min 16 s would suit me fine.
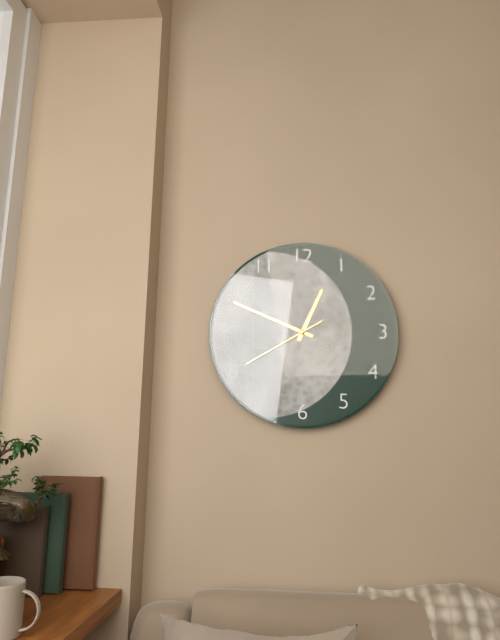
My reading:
12 h 49 min 40 s
